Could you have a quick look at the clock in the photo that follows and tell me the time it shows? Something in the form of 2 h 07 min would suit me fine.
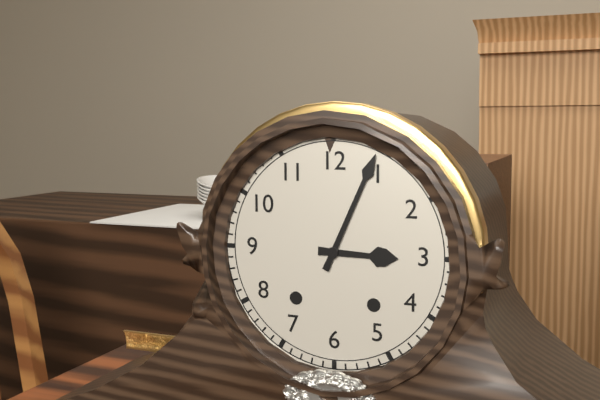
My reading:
3 h 04 min
